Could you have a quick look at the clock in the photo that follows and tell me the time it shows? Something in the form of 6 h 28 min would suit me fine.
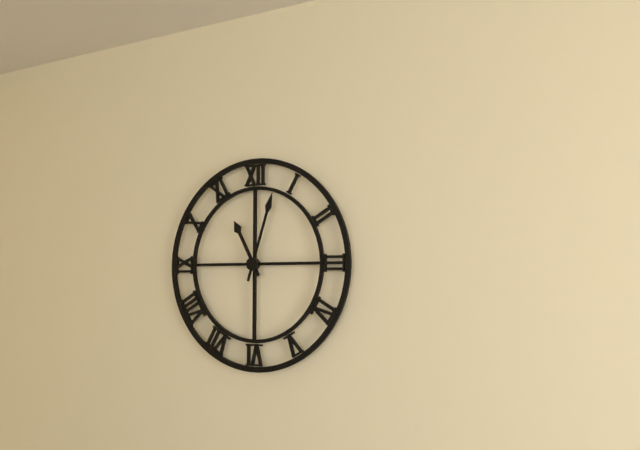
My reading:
11 h 03 min
